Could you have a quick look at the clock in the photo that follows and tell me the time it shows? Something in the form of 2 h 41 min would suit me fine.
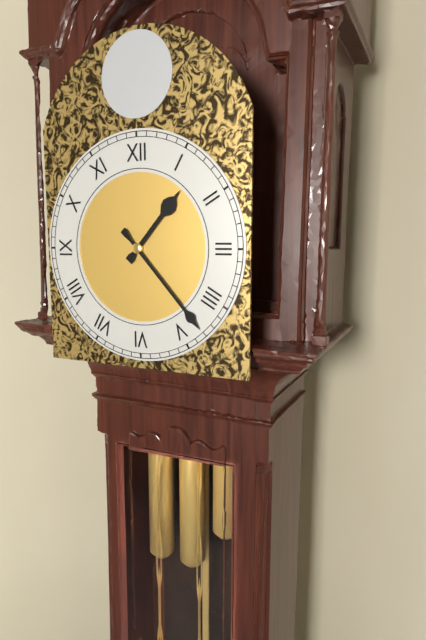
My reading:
1 h 23 min
